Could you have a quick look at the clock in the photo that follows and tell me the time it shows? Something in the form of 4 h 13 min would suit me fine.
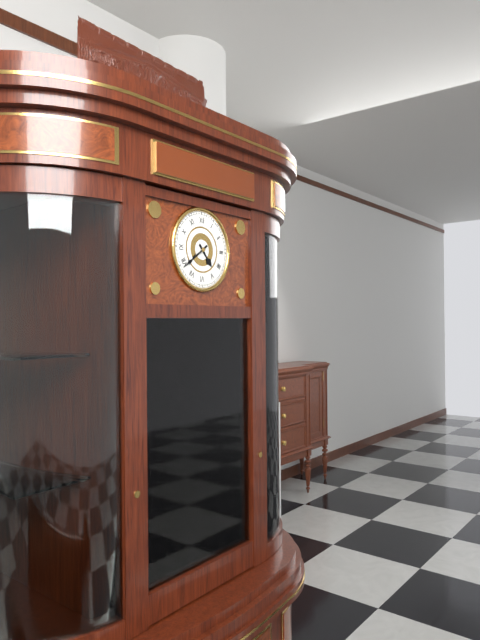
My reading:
4 h 39 min
